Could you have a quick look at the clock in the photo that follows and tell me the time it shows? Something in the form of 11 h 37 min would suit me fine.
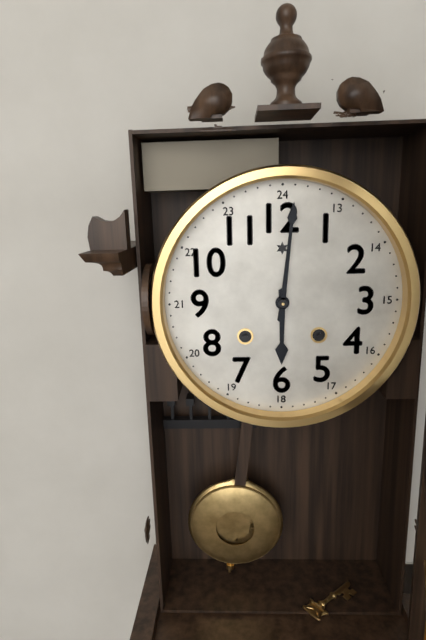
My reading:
6 h 01 min
